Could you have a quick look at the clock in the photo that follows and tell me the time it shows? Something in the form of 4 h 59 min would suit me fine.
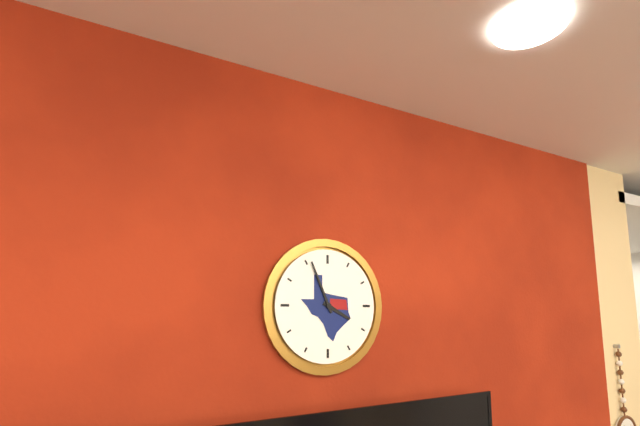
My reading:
3 h 56 min
